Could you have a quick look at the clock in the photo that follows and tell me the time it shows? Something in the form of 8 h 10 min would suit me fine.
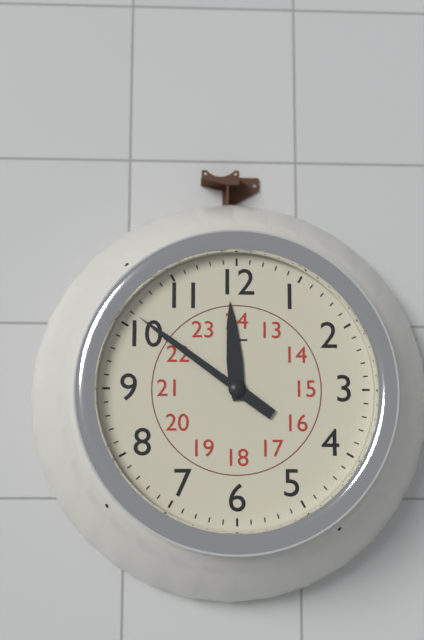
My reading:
11 h 51 min
